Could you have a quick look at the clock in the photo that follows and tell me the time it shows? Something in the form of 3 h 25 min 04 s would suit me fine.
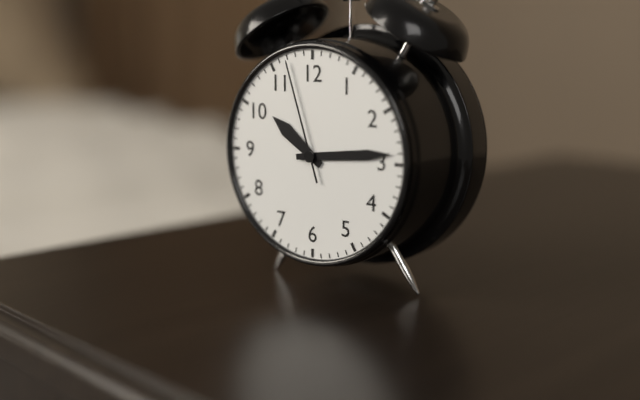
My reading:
10 h 14 min 57 s
